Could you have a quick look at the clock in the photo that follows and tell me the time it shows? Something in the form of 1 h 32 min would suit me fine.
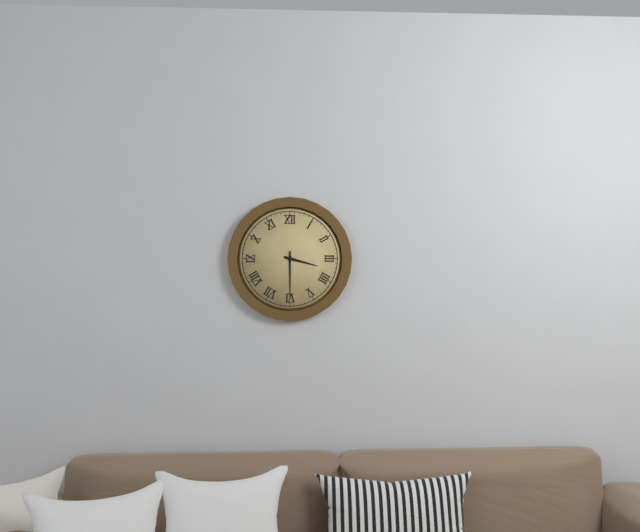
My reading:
3 h 30 min
